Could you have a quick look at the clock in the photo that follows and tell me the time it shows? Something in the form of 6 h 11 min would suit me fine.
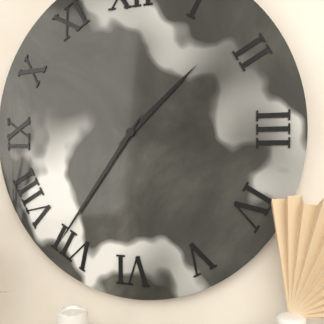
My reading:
1 h 36 min
